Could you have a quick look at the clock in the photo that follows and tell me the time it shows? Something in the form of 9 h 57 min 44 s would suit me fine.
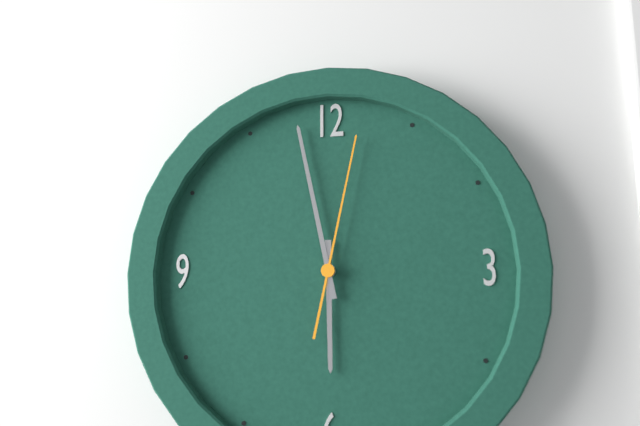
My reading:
5 h 58 min 02 s
